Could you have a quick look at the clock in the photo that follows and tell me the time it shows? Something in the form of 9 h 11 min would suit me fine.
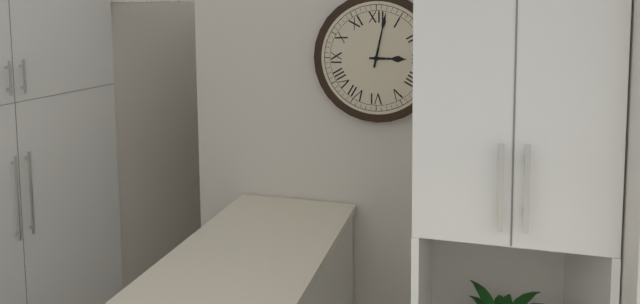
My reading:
3 h 02 min
